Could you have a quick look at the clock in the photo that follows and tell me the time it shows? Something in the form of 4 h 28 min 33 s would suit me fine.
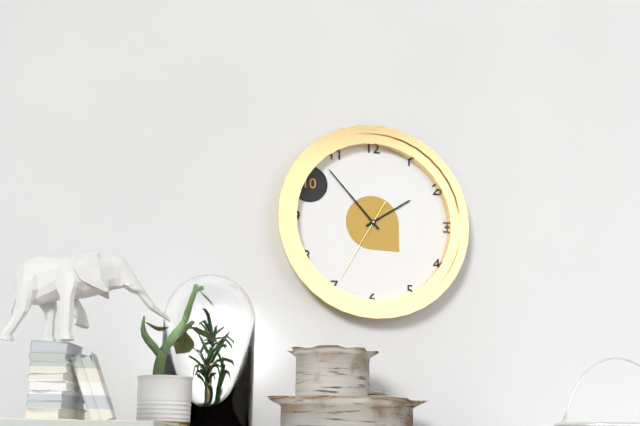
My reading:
1 h 53 min 35 s
